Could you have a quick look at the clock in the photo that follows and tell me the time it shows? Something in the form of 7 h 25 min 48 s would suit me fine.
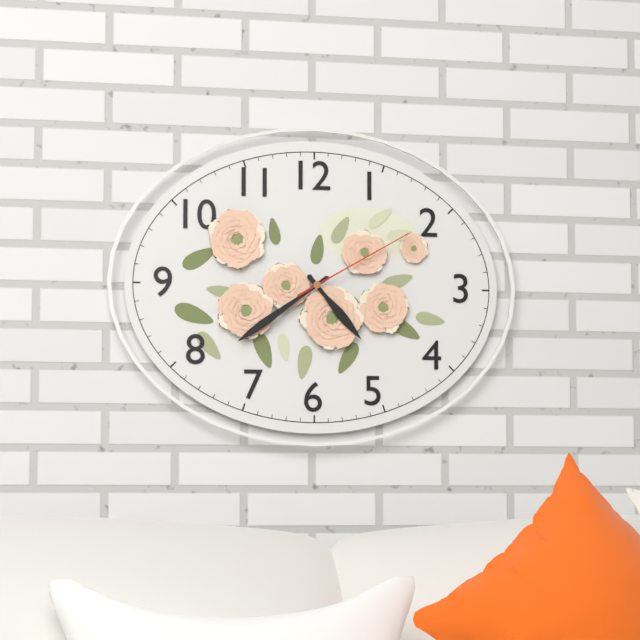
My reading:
4 h 39 min 10 s
